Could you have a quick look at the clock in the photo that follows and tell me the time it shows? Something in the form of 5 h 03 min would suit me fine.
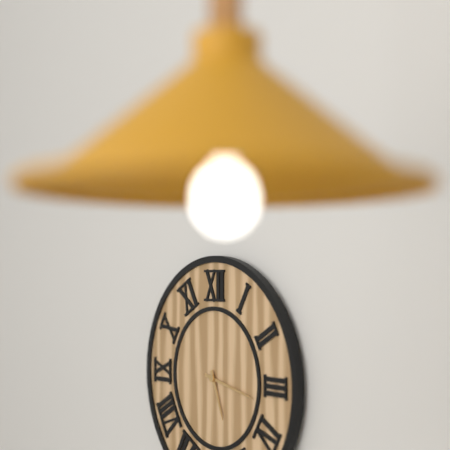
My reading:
5 h 17 min
